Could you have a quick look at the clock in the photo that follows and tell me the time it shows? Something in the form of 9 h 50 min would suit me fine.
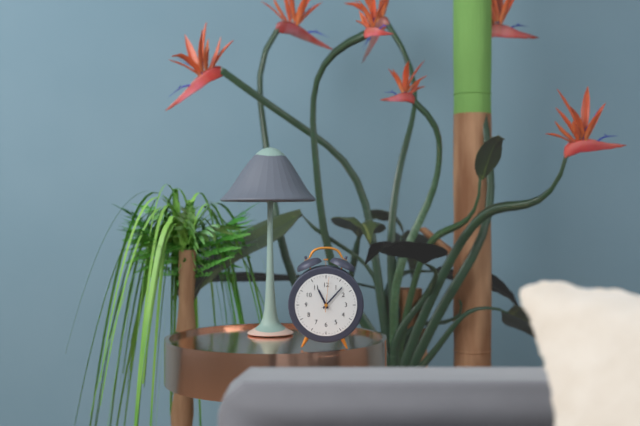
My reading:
11 h 07 min
